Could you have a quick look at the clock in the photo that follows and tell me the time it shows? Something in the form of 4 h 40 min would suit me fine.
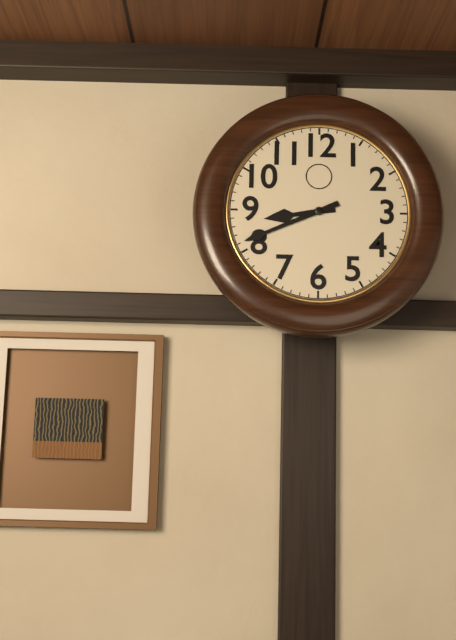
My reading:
8 h 41 min
